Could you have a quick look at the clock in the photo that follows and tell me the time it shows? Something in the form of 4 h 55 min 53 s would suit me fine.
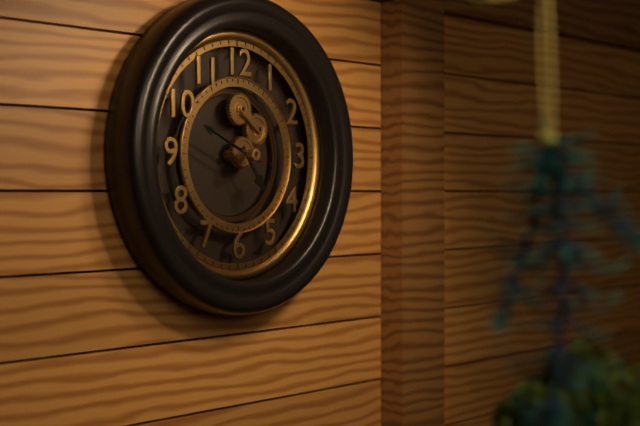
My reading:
4 h 49 min 49 s
